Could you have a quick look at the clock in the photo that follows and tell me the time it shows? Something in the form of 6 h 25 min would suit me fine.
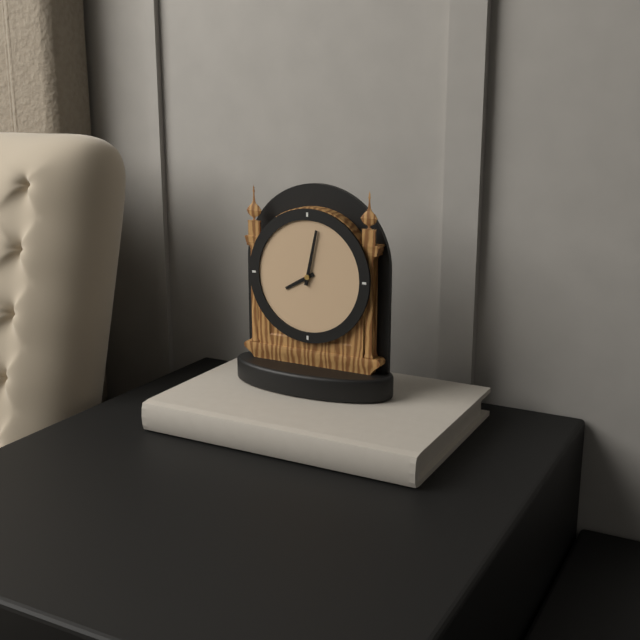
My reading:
8 h 02 min
